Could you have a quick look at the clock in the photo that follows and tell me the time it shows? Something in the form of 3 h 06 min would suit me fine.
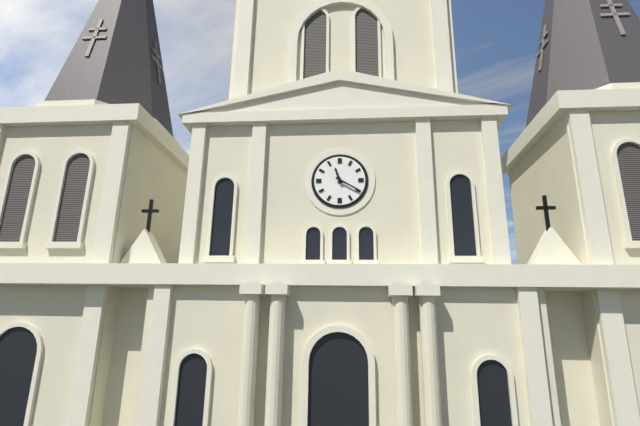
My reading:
11 h 20 min
